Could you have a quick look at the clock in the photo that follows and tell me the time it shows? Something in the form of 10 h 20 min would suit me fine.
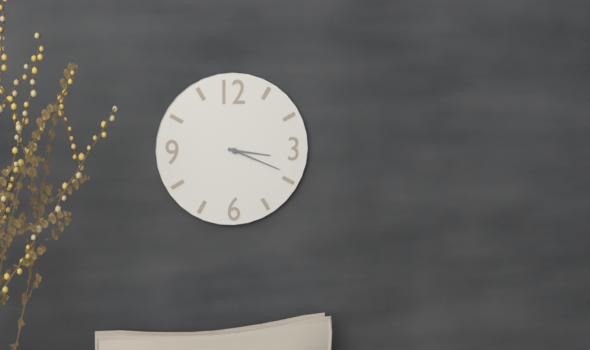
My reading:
3 h 19 min
